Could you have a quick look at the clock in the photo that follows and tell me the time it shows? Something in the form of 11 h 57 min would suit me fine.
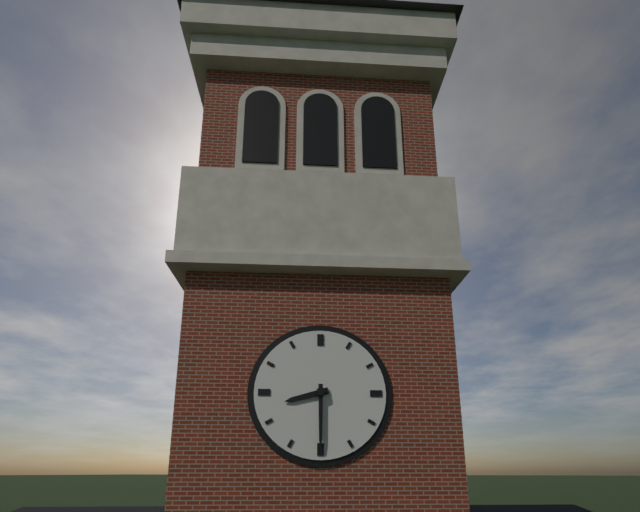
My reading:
8 h 30 min
